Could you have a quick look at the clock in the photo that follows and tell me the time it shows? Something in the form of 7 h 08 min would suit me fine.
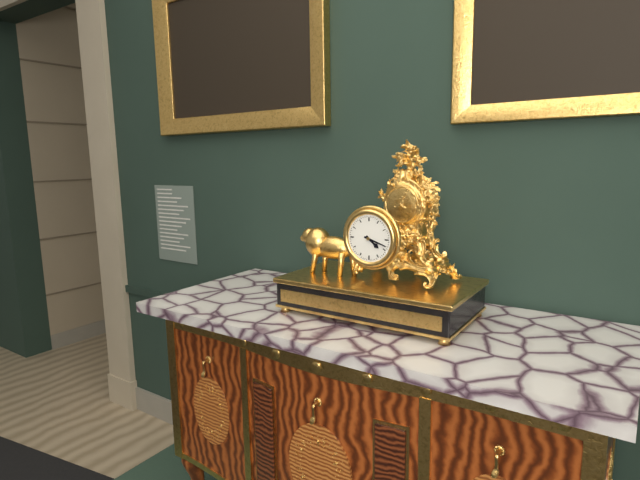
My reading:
4 h 18 min
